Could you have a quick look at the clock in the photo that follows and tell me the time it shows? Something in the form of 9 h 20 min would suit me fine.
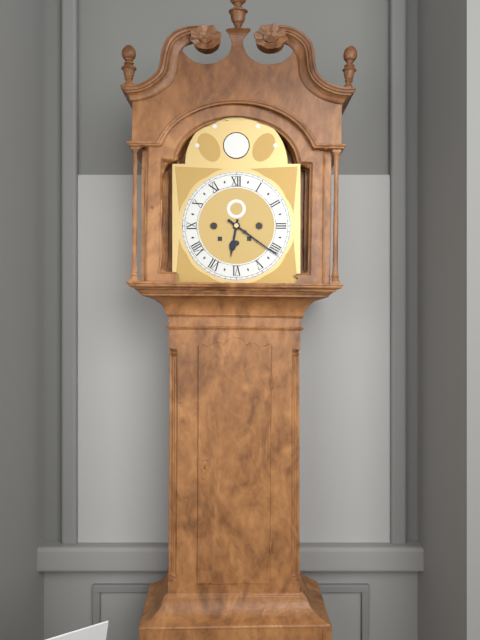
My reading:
6 h 21 min
